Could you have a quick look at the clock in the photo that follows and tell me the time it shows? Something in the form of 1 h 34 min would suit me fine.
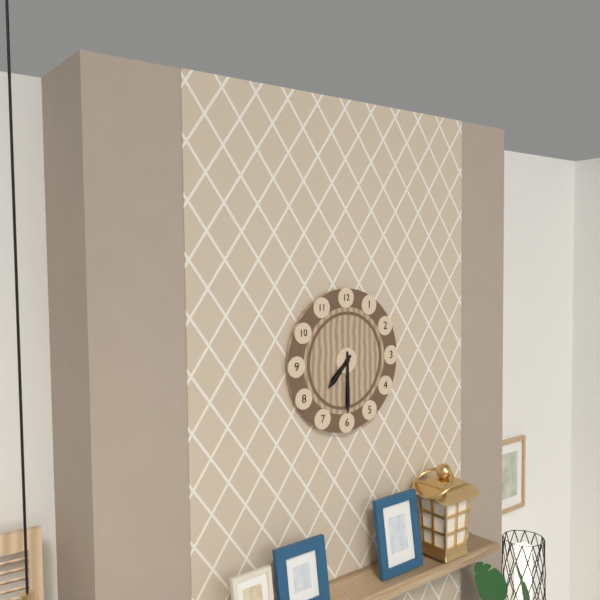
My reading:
7 h 30 min
